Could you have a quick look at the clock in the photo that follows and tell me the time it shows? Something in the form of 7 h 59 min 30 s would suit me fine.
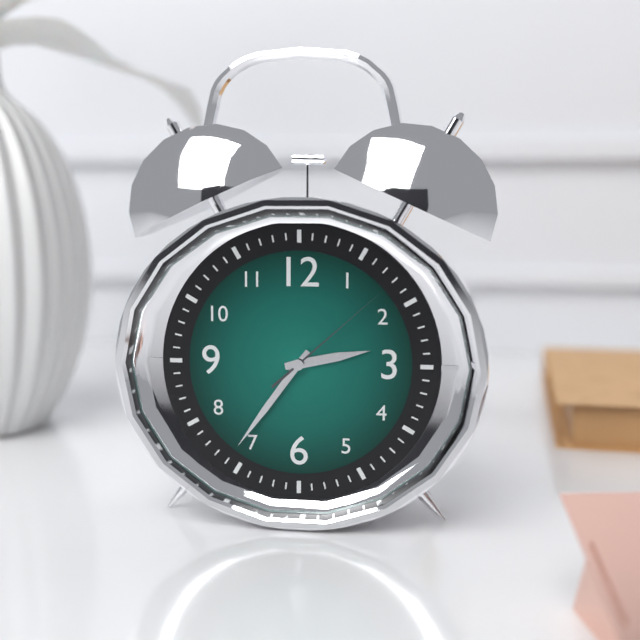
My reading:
2 h 36 min 08 s
